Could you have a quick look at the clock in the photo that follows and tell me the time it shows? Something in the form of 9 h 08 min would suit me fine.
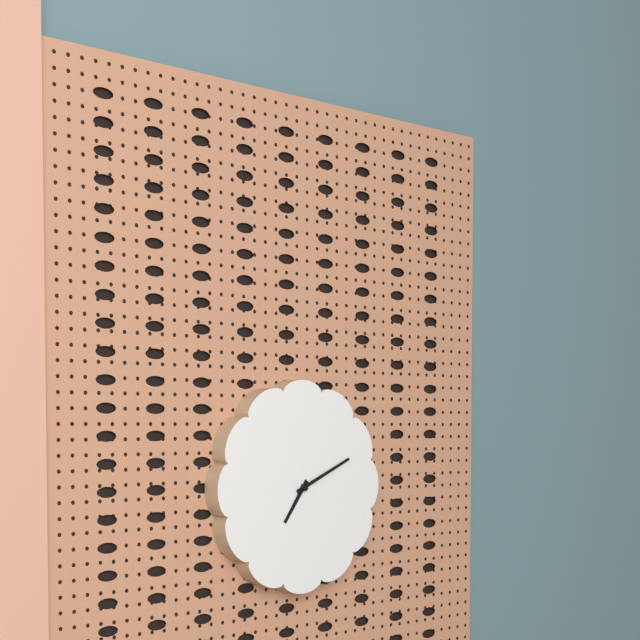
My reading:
7 h 11 min
